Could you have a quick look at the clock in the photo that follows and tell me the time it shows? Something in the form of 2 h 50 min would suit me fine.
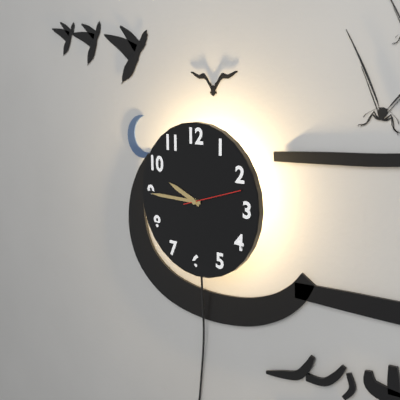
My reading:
9 h 45 min
